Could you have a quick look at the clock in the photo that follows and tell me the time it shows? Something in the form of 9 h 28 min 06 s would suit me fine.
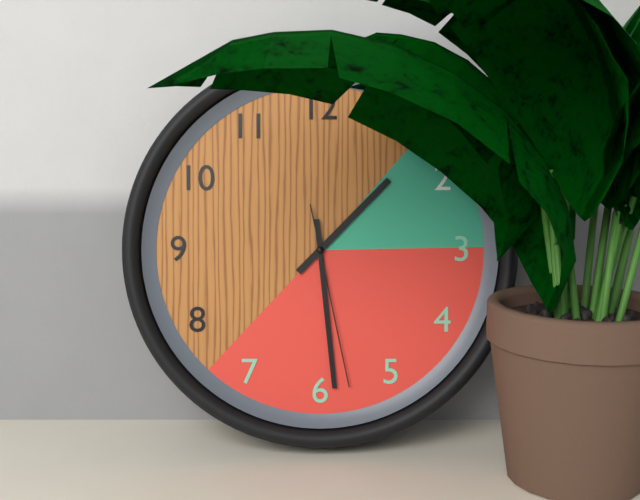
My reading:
1 h 29 min 28 s
